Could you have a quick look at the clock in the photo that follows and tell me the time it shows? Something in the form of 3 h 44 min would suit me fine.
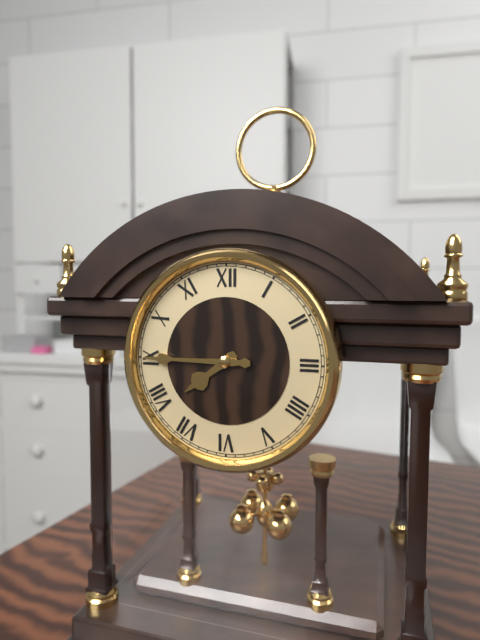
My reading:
7 h 45 min
